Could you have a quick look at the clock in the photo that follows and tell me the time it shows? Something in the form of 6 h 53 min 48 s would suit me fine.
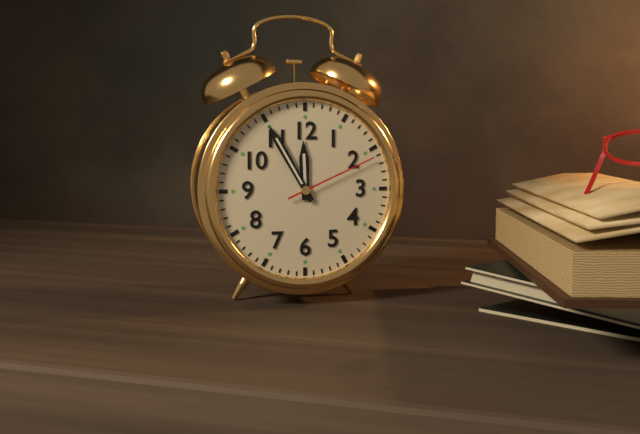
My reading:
11 h 55 min 11 s
